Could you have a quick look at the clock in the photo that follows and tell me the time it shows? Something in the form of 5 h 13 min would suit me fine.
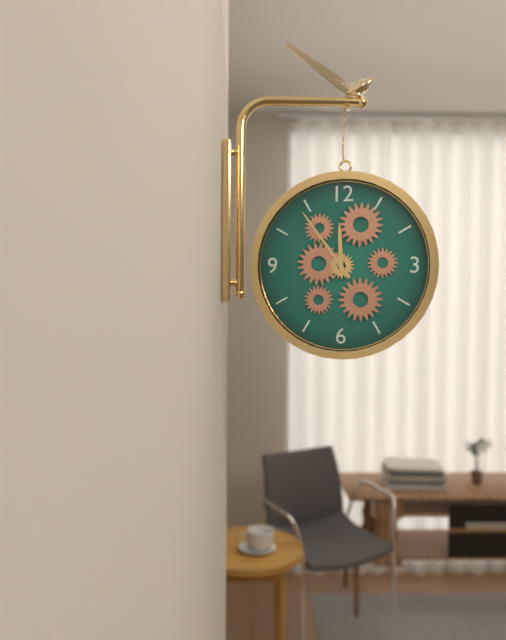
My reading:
11 h 54 min
